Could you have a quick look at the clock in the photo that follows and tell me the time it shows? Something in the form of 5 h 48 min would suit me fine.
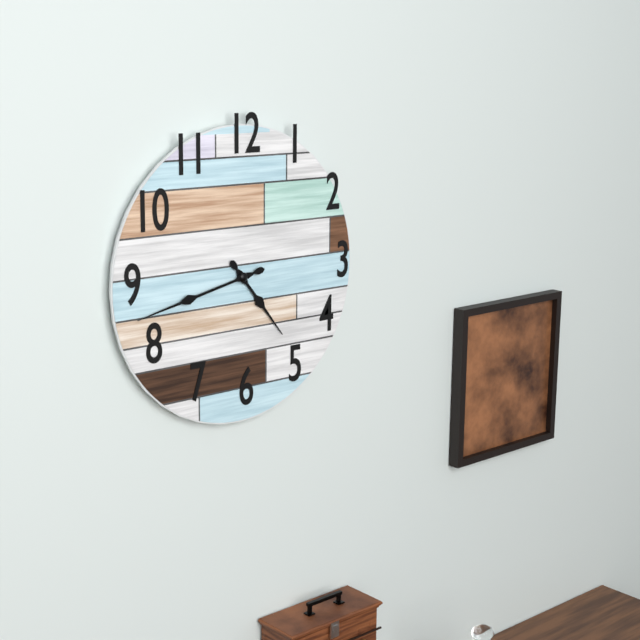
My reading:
4 h 43 min
